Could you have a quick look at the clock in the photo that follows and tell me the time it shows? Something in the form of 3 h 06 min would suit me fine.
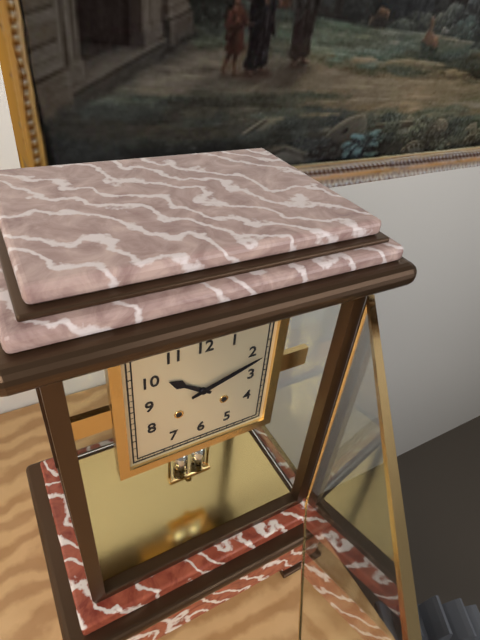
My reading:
10 h 12 min
